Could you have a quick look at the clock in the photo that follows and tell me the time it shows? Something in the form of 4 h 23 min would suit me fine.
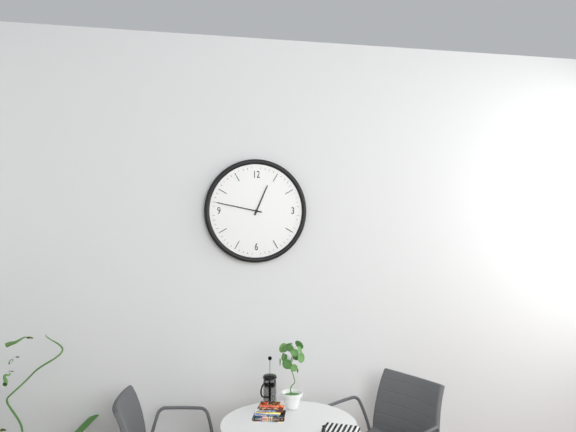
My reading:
12 h 47 min
